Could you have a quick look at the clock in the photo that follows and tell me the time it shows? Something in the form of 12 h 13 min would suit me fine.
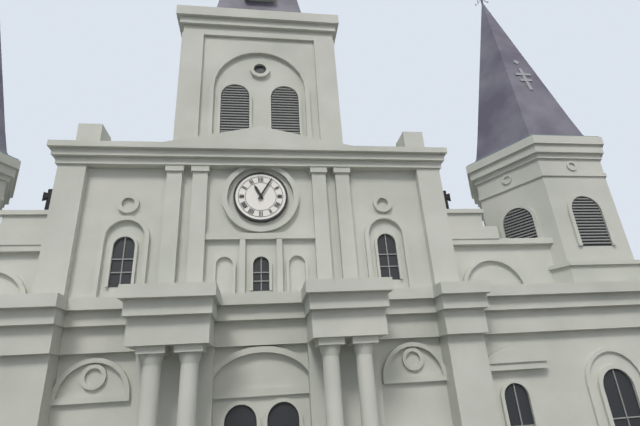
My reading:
11 h 05 min
